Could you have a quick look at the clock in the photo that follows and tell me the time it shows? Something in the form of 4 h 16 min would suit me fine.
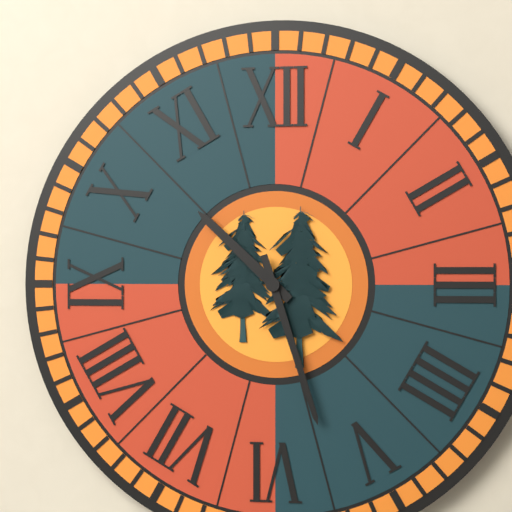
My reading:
10 h 27 min
